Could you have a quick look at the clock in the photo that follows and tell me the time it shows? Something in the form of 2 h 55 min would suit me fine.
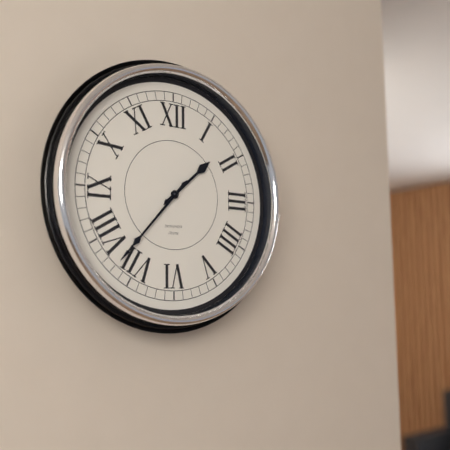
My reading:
1 h 37 min
